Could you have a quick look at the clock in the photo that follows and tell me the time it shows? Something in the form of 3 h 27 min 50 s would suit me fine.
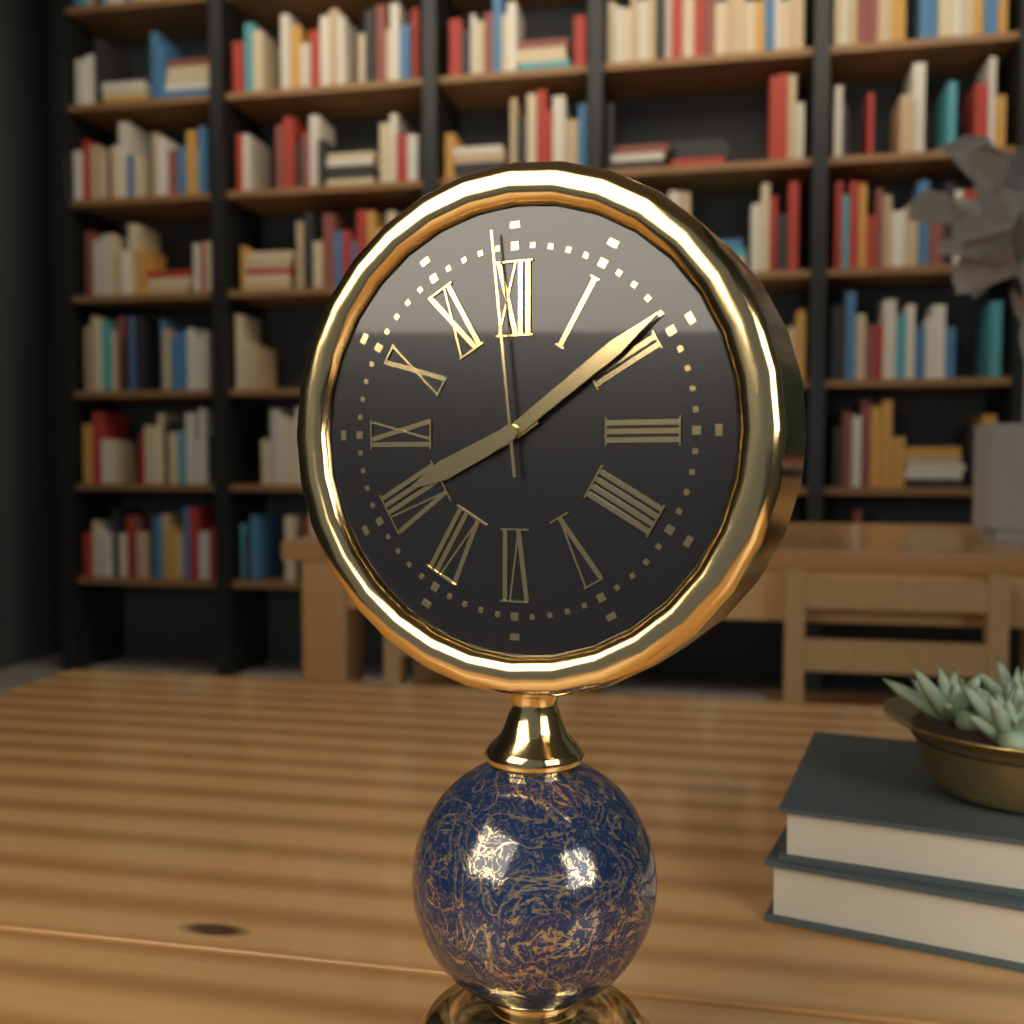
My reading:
8 h 09 min 59 s
